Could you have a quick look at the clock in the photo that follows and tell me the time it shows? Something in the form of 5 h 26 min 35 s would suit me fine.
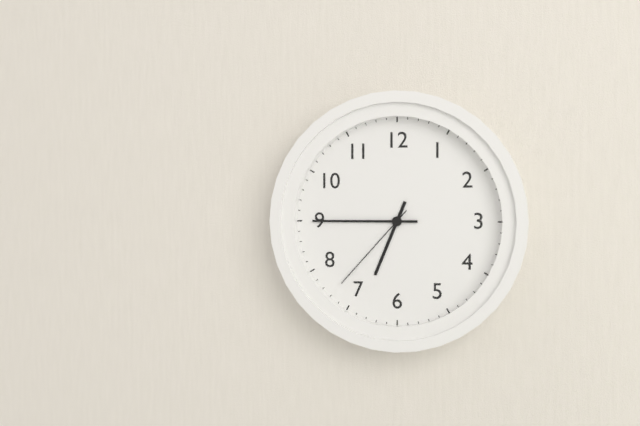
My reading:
6 h 45 min 37 s
